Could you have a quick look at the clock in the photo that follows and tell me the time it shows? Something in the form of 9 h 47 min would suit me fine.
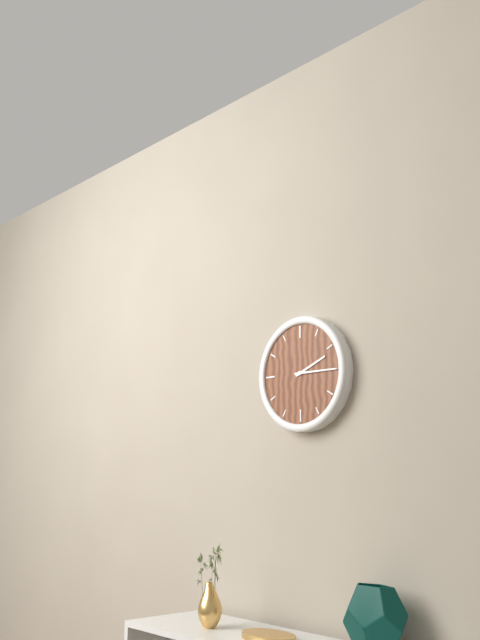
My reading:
2 h 15 min
